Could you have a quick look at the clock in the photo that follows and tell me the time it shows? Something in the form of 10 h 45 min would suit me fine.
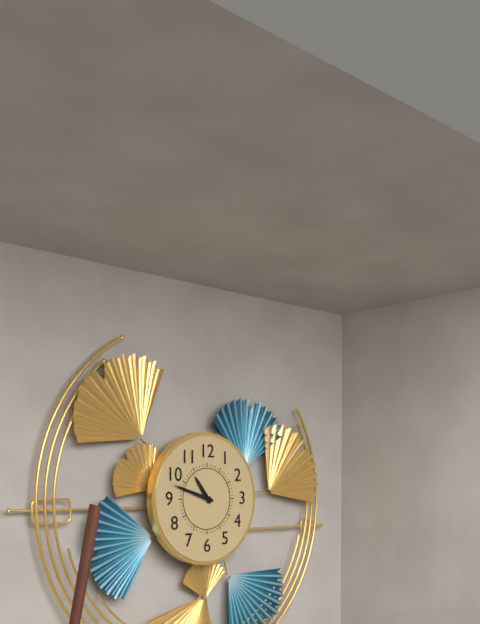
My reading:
10 h 48 min
